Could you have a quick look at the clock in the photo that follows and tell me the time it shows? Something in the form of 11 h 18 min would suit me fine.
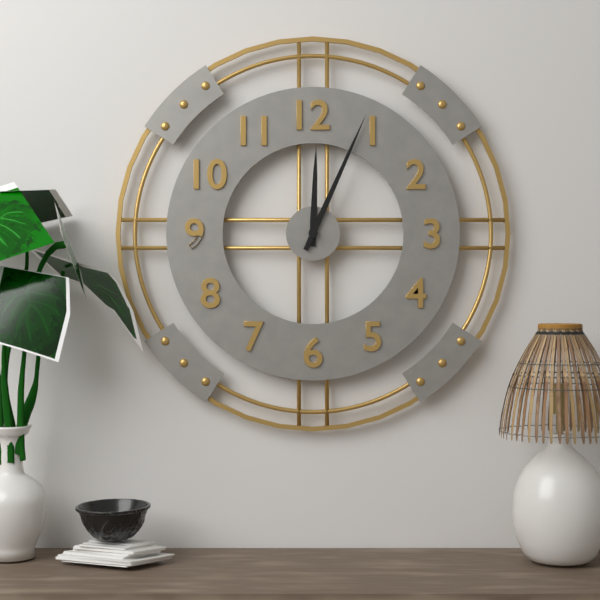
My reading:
12 h 04 min
